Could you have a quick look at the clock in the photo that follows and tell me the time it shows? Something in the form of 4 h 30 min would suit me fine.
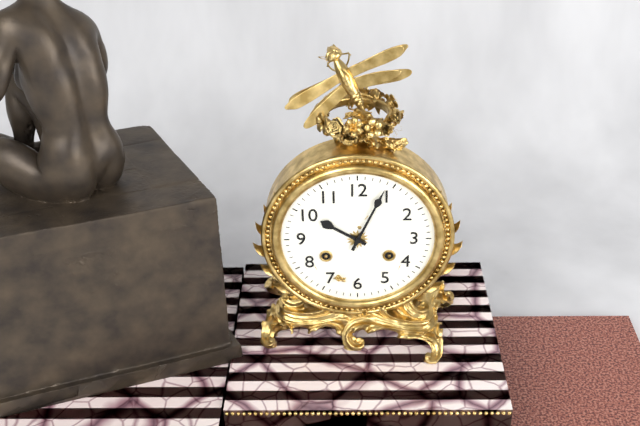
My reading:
10 h 04 min
